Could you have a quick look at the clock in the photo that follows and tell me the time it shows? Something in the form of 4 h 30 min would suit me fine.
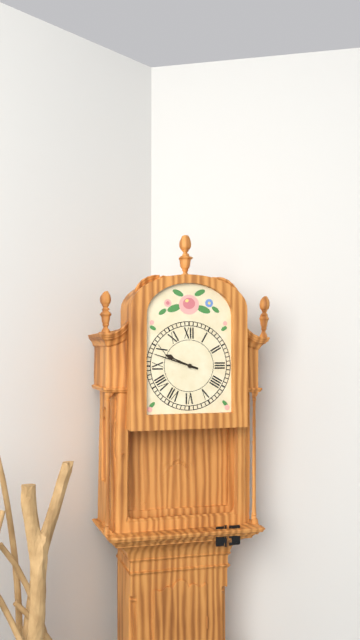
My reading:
9 h 48 min
